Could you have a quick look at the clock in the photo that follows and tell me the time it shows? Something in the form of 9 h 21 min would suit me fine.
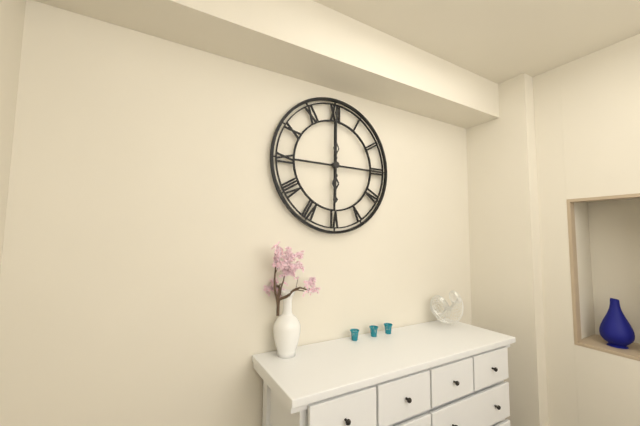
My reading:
6 h 00 min
